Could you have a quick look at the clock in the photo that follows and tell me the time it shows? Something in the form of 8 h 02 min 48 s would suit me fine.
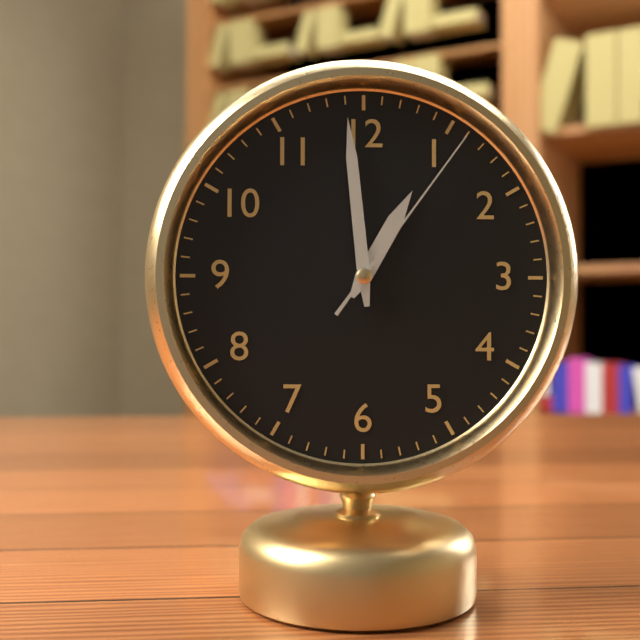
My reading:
12 h 59 min 06 s
